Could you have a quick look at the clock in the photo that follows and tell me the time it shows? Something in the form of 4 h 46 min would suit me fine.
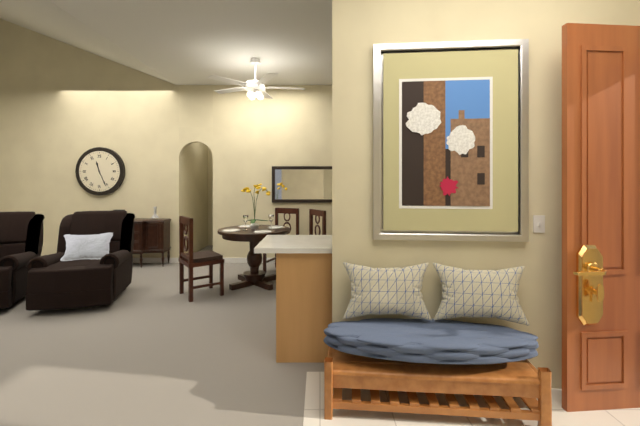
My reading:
11 h 26 min
